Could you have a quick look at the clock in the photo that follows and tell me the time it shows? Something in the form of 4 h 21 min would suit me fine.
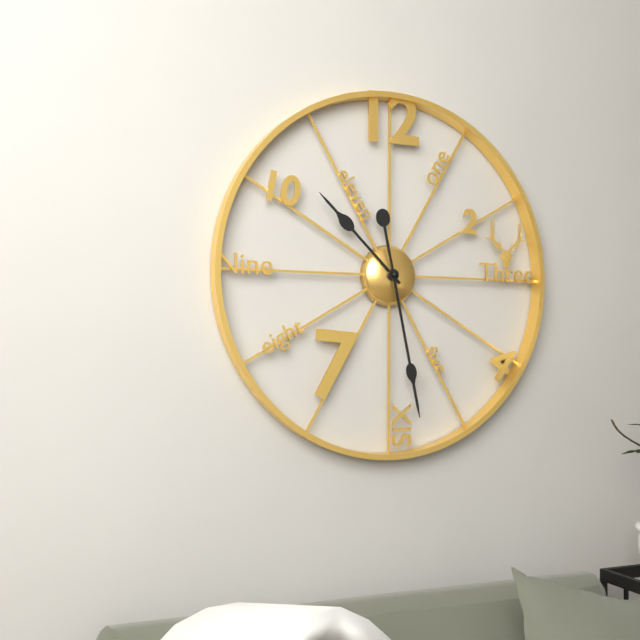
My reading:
10 h 28 min
